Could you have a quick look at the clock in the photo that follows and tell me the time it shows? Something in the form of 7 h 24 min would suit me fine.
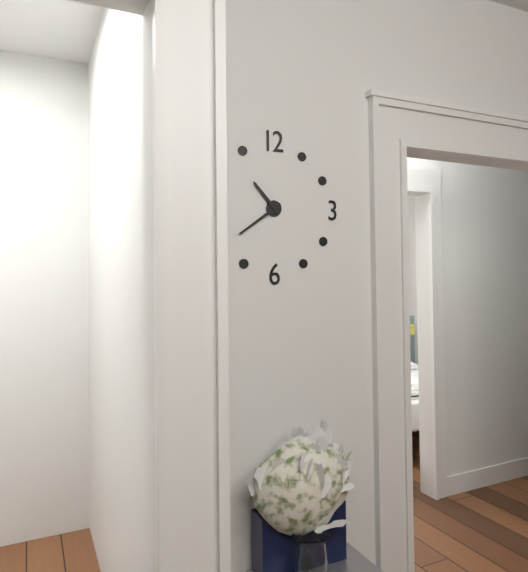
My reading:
10 h 39 min
